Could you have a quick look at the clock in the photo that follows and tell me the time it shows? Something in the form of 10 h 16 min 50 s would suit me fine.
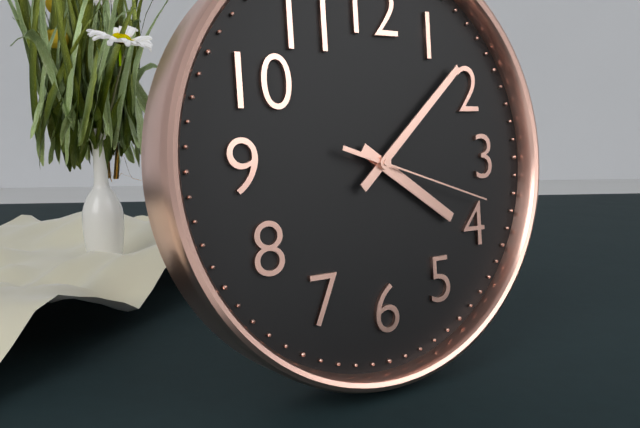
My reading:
4 h 08 min 18 s
